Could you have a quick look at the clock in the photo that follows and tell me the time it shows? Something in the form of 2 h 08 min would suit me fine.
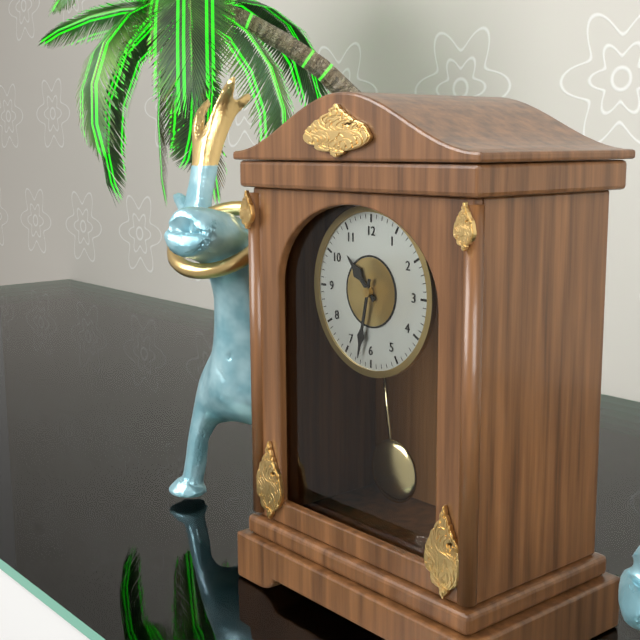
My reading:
10 h 32 min
